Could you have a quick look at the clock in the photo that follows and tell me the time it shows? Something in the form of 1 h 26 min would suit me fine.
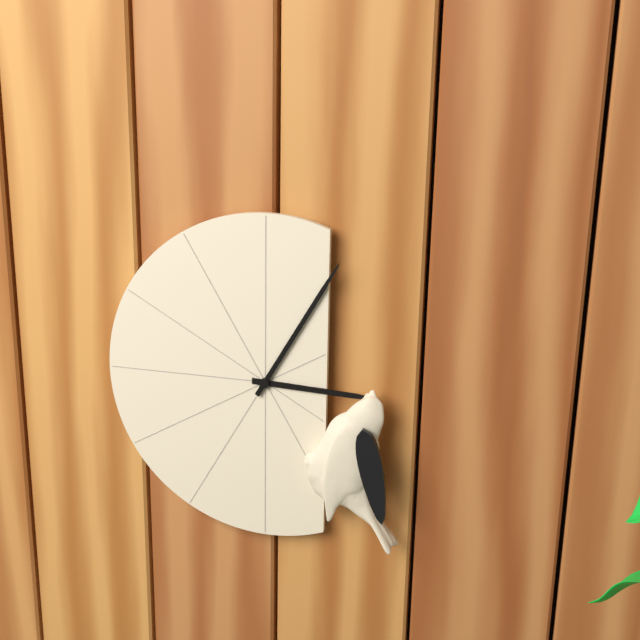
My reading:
3 h 05 min
